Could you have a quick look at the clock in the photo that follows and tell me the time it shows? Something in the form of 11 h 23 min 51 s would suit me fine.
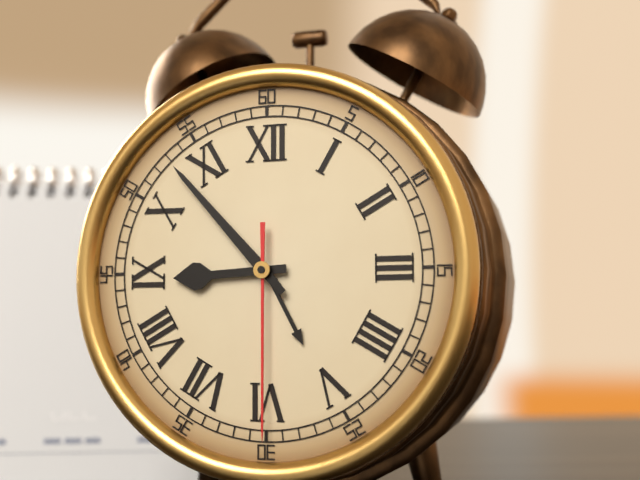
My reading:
8 h 53 min 30 s
